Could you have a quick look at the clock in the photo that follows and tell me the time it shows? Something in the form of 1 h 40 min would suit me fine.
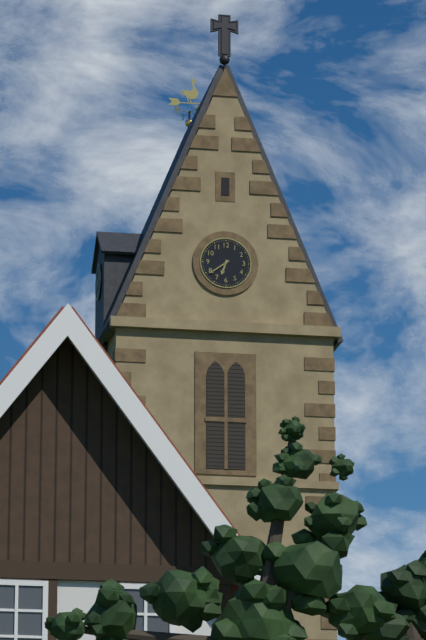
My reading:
6 h 39 min
